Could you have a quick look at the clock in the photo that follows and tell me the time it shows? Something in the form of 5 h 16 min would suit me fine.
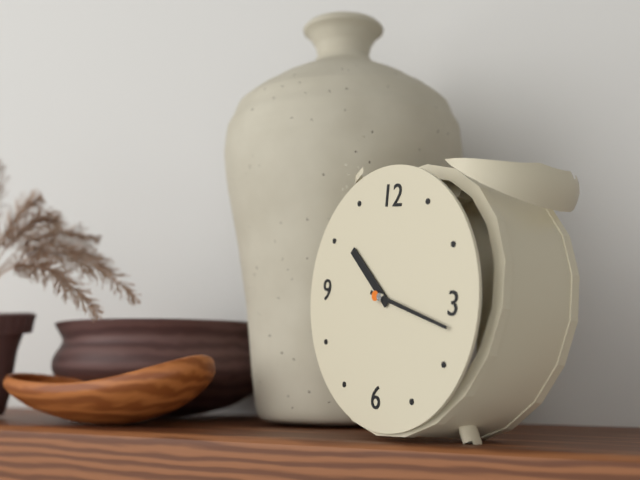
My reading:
10 h 17 min
